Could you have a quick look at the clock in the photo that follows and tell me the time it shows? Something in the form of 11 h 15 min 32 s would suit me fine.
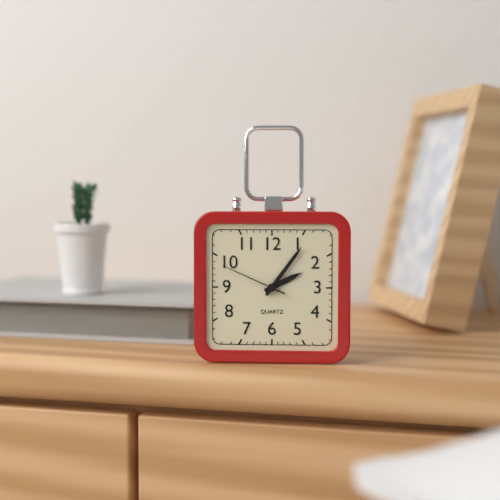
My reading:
2 h 06 min 49 s
